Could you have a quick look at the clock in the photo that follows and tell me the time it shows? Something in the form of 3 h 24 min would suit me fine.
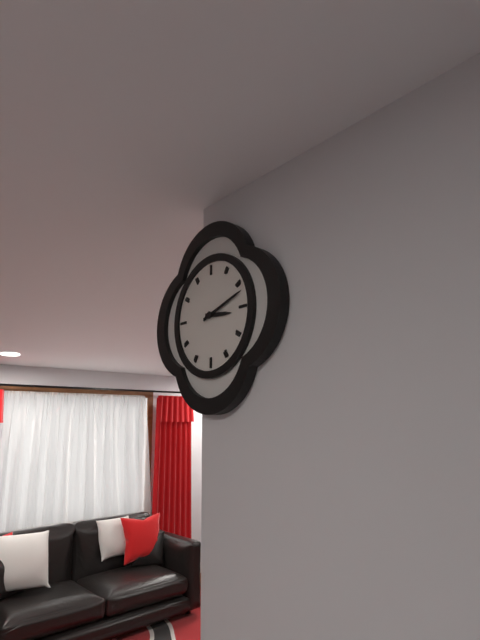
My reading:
3 h 12 min
